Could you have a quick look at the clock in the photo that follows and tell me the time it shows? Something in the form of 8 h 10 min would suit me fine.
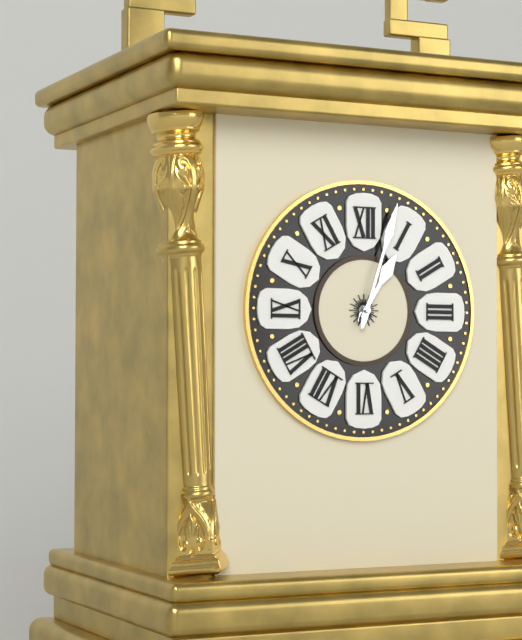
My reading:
1 h 03 min
